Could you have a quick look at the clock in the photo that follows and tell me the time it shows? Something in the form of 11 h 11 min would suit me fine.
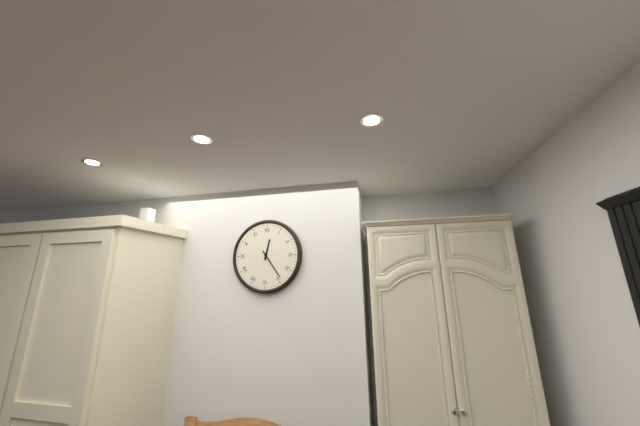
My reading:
12 h 24 min
